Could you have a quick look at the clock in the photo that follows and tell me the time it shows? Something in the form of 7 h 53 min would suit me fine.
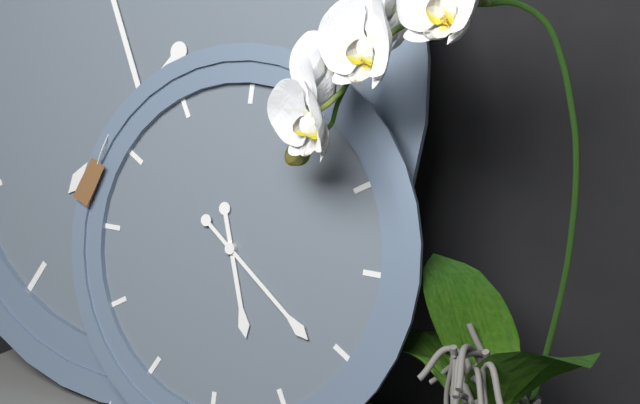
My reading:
5 h 21 min
